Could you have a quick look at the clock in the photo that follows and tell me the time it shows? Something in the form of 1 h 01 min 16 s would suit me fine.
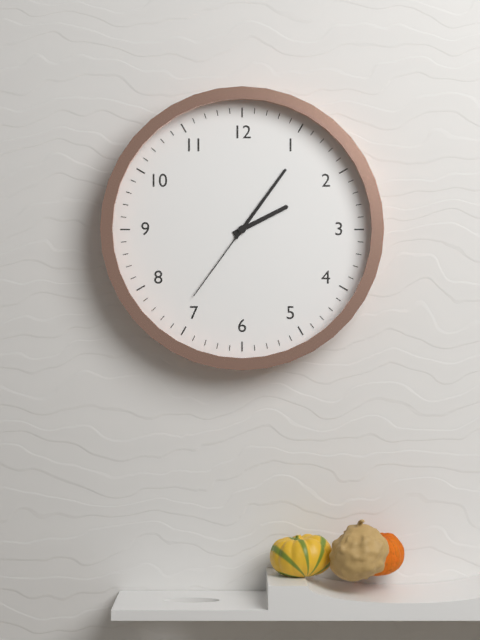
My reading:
2 h 06 min 36 s
